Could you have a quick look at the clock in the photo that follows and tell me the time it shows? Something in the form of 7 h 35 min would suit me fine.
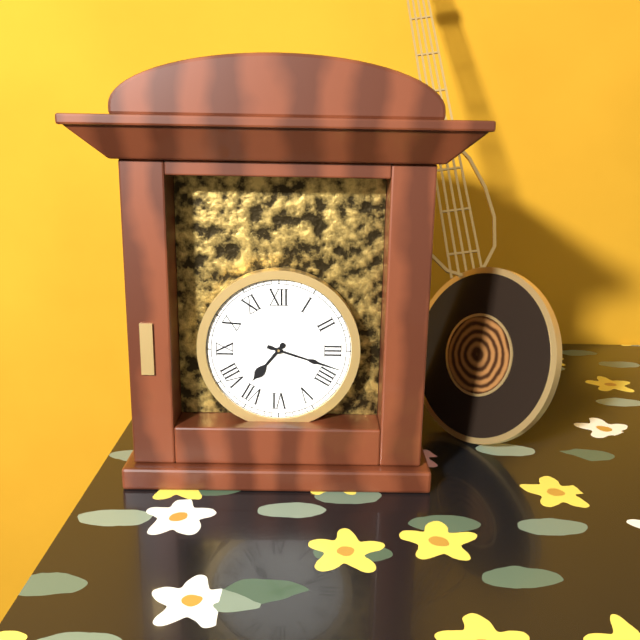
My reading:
7 h 18 min
